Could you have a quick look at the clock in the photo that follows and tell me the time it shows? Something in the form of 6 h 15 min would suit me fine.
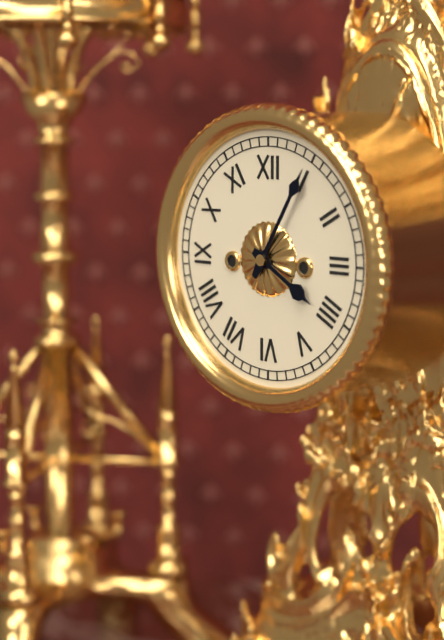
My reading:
4 h 05 min
